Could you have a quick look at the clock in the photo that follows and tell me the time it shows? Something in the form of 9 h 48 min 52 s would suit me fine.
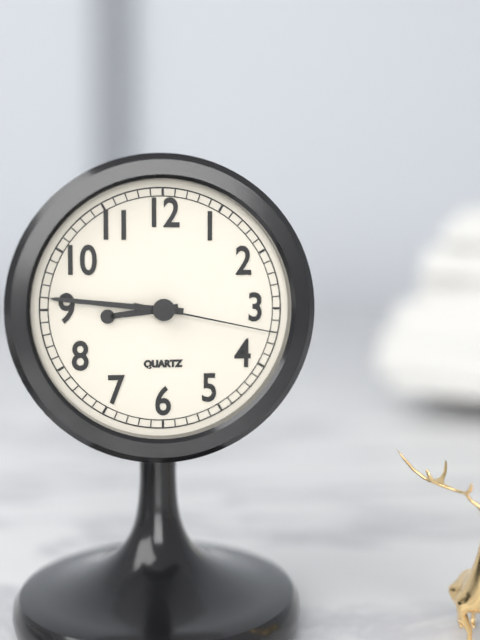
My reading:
8 h 46 min 17 s
